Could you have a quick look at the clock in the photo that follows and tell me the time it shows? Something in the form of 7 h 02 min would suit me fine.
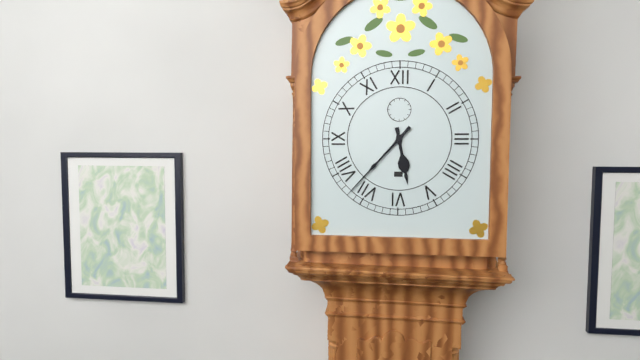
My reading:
5 h 37 min
